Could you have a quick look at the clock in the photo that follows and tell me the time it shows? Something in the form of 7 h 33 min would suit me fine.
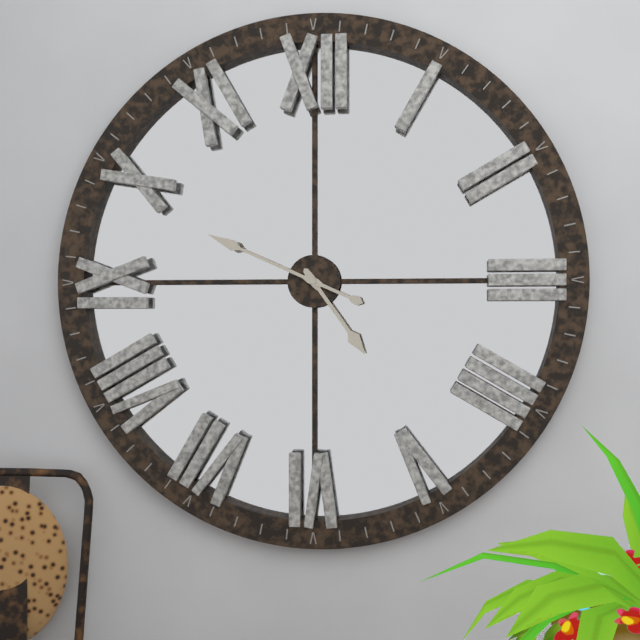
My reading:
4 h 49 min
